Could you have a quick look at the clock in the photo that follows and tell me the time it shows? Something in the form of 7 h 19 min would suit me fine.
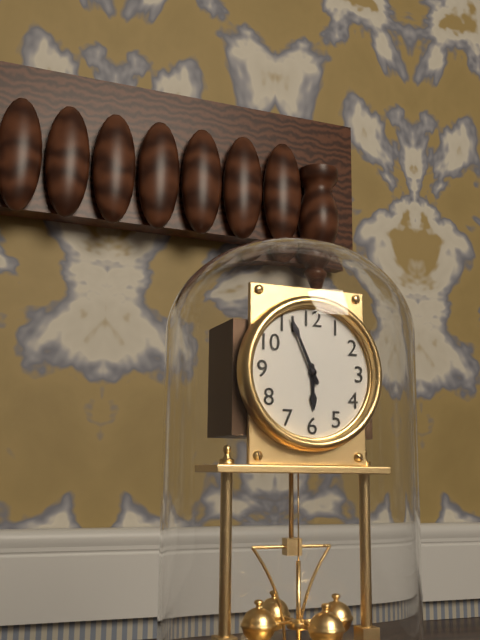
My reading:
5 h 56 min
